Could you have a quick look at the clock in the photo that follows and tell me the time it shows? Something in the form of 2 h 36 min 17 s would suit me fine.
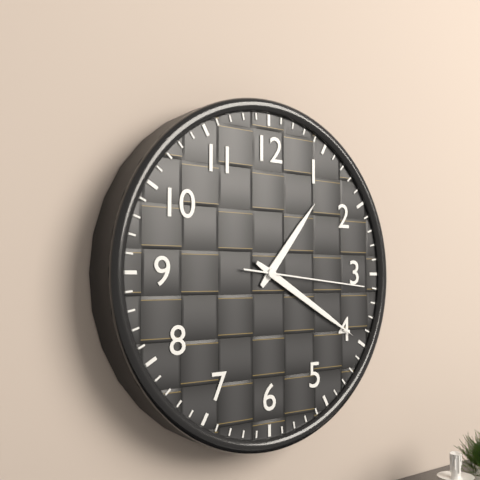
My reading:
1 h 20 min 16 s
